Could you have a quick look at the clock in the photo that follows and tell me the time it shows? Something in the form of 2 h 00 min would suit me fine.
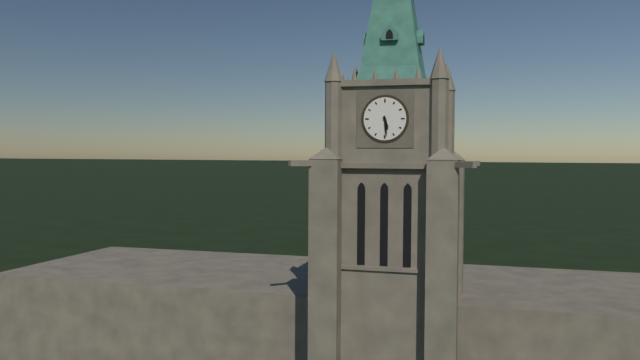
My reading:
5 h 29 min
